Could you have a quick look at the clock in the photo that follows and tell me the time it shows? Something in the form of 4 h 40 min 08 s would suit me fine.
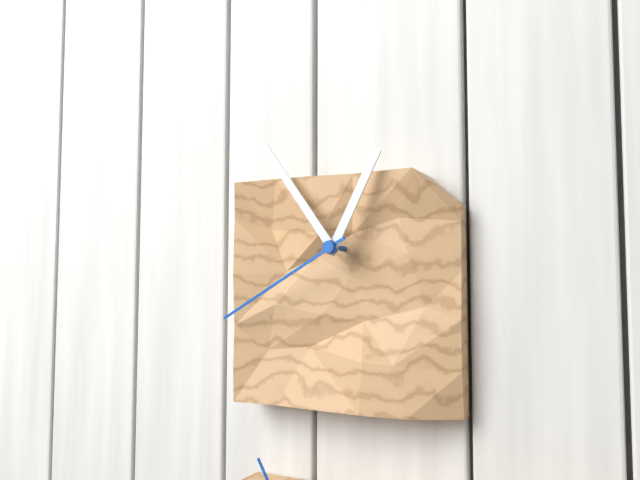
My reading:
12 h 54 min 40 s
